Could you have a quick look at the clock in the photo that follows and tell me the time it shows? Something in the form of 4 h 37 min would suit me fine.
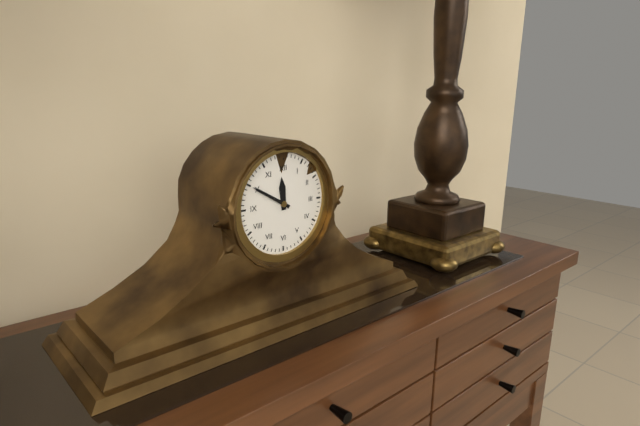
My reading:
11 h 50 min
